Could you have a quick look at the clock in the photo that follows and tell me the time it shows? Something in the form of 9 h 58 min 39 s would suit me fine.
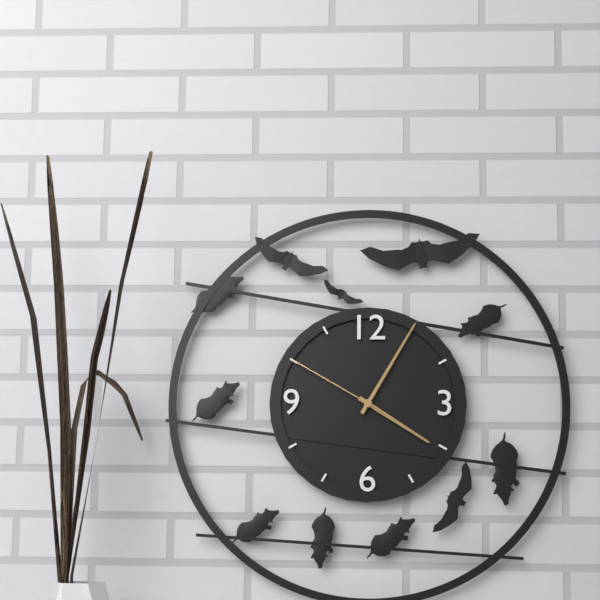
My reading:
4 h 05 min 50 s
